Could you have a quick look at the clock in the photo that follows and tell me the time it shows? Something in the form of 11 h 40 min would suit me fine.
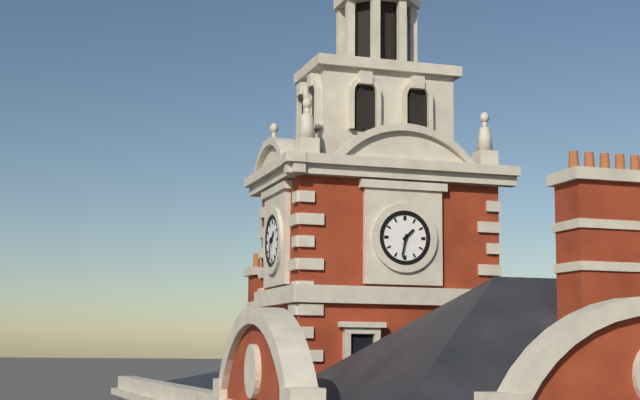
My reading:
1 h 32 min
